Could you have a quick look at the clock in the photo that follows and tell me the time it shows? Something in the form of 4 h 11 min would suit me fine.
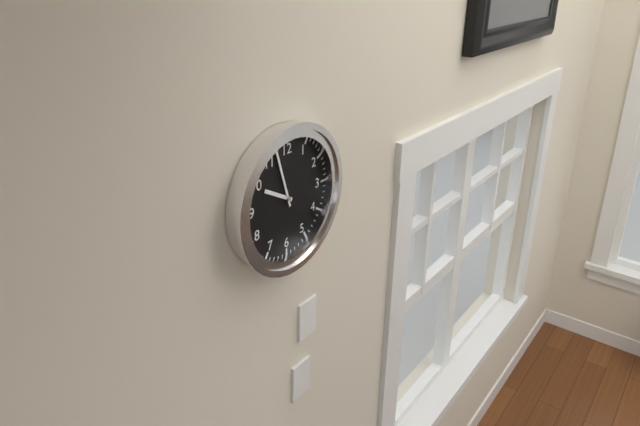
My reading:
9 h 57 min
